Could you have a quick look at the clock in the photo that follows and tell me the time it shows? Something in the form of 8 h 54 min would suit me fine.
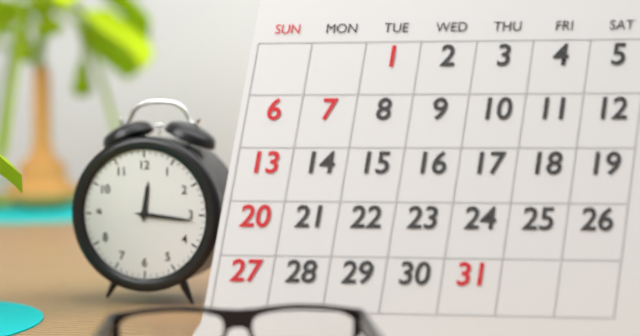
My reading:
12 h 16 min
